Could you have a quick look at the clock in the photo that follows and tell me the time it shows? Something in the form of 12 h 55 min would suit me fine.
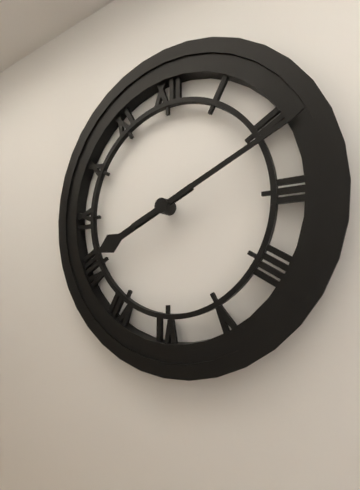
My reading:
8 h 11 min
